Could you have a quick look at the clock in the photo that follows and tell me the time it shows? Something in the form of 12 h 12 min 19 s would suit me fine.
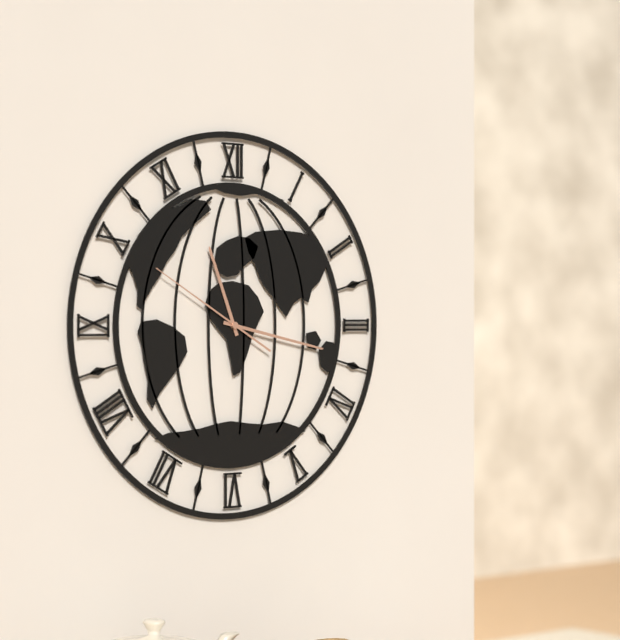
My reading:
11 h 17 min 50 s
